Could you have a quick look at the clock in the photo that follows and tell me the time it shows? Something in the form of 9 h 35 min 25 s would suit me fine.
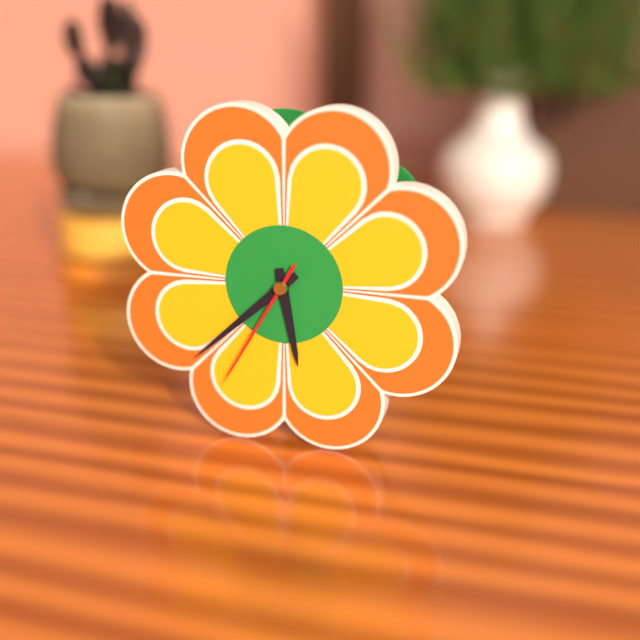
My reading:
5 h 38 min 35 s
